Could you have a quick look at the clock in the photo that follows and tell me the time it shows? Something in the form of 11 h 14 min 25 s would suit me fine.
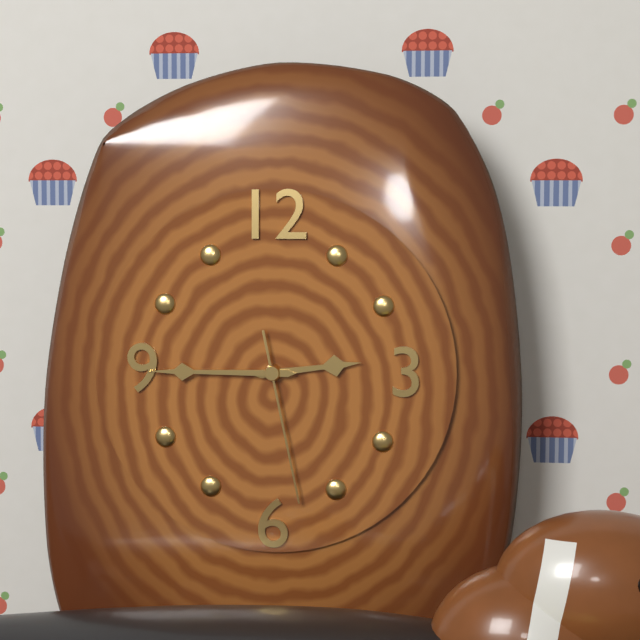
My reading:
2 h 45 min 28 s
